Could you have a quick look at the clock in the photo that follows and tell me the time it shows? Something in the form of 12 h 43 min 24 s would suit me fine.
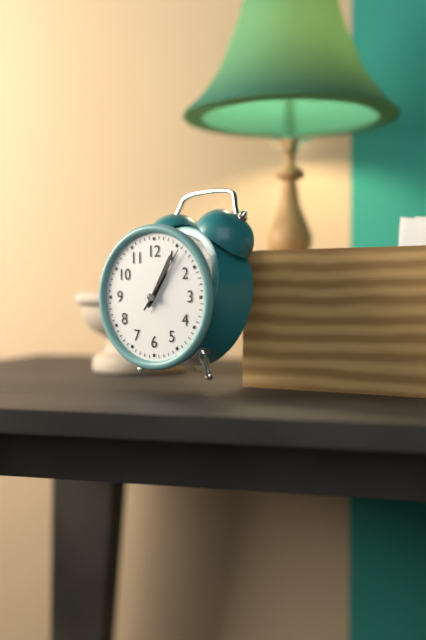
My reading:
1 h 05 min 06 s
